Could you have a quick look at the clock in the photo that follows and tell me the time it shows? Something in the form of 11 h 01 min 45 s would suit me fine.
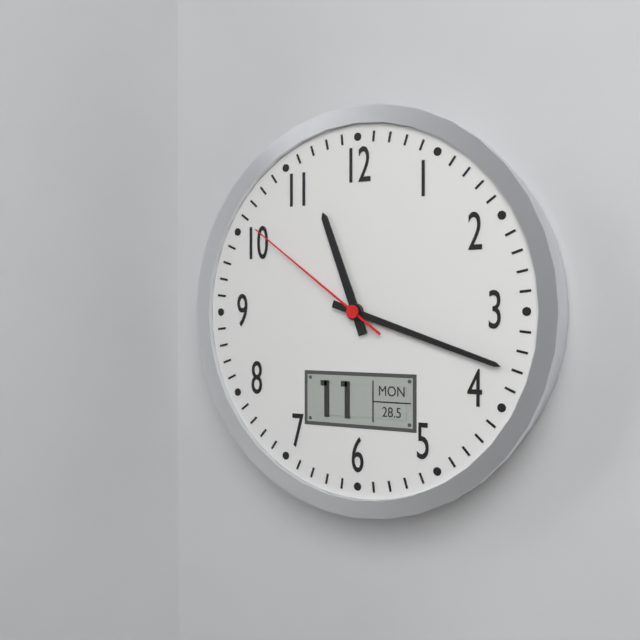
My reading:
11 h 18 min 51 s
